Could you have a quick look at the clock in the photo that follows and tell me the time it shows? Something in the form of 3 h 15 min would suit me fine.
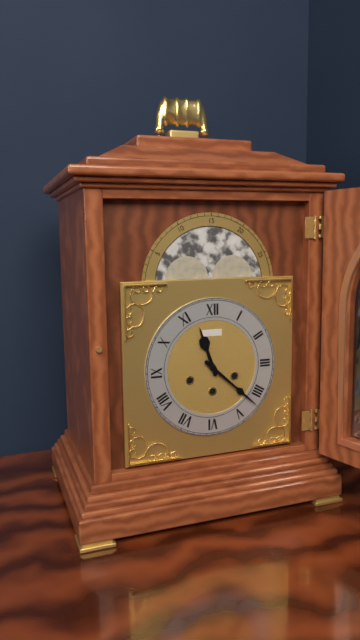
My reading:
11 h 22 min
